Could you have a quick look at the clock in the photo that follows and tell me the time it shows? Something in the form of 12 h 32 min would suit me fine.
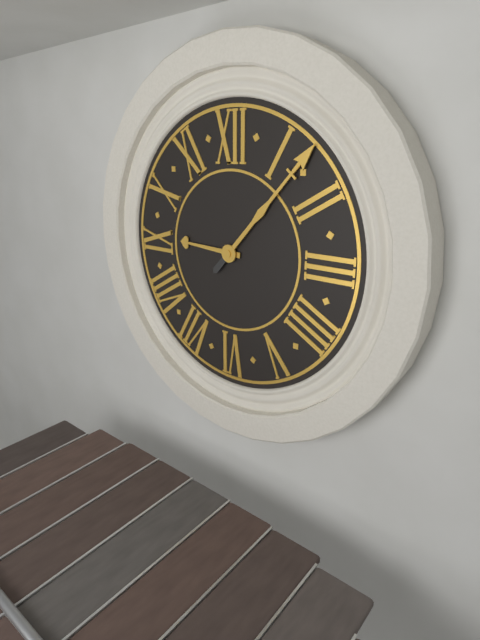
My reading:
9 h 07 min
